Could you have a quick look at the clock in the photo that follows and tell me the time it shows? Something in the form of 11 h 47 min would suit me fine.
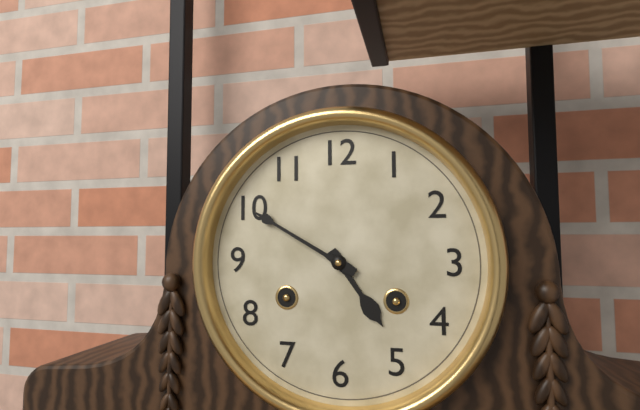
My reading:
4 h 50 min
